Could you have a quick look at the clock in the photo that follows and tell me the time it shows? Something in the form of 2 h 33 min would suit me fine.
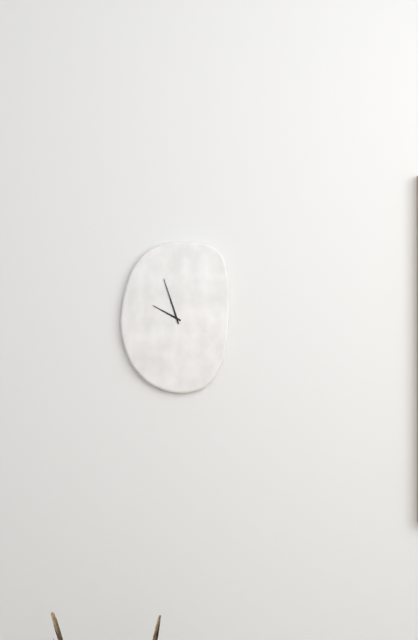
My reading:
9 h 57 min
